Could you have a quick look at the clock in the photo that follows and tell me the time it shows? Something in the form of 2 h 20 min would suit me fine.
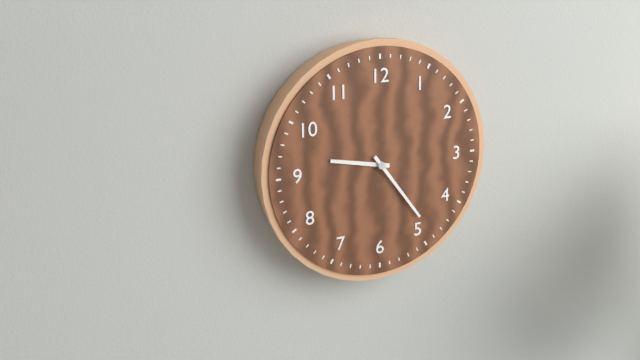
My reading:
9 h 24 min
